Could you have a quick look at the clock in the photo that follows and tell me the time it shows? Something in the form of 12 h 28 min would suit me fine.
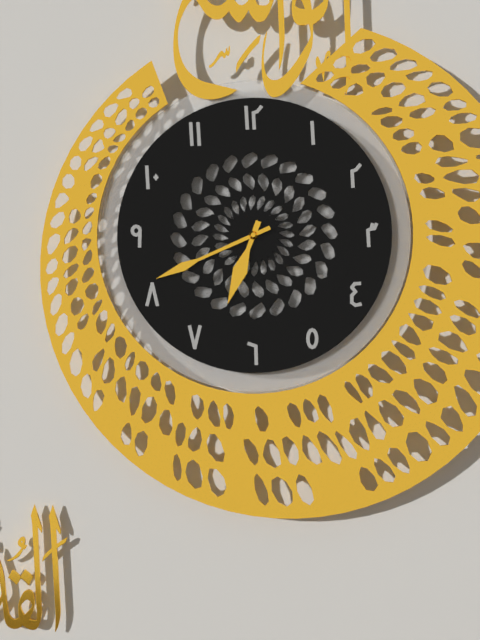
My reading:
6 h 41 min
